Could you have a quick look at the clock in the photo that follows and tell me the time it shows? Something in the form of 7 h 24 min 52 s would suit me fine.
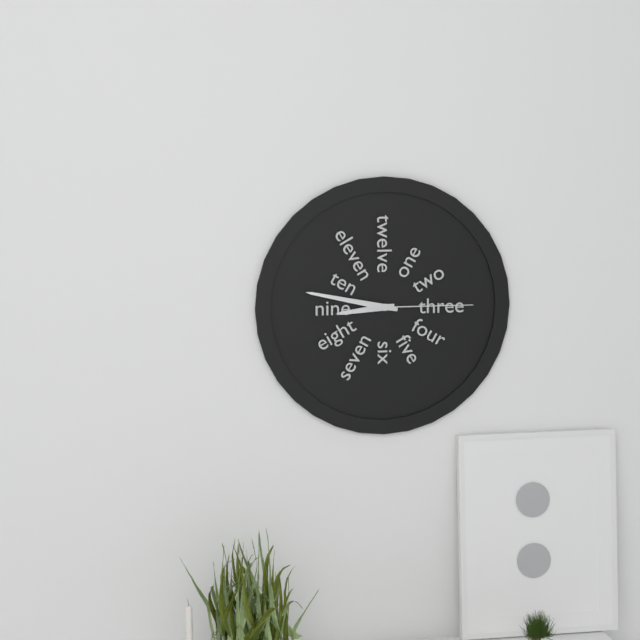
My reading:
8 h 47 min 15 s
